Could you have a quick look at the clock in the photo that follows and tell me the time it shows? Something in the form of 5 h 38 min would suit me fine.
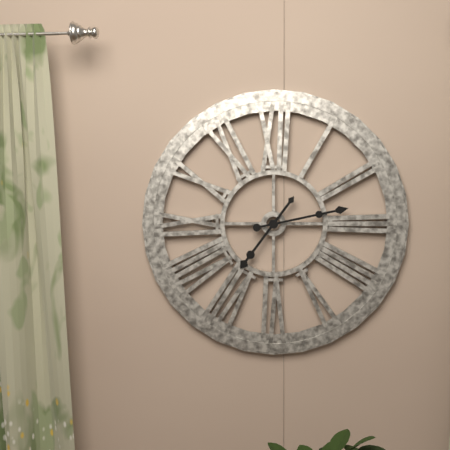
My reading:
7 h 13 min
